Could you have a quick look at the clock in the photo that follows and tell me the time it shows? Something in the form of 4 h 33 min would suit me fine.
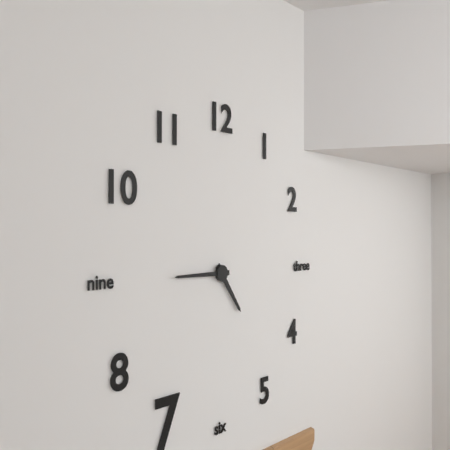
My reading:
4 h 45 min
